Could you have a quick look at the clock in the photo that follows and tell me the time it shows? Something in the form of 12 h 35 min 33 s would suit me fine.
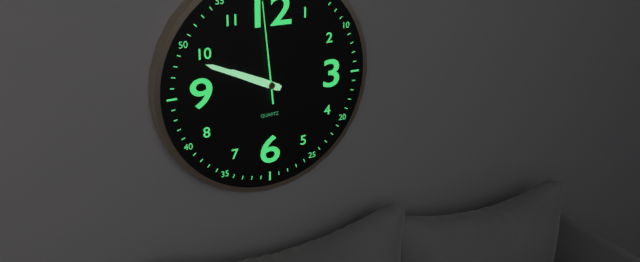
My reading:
9 h 49 min 59 s
